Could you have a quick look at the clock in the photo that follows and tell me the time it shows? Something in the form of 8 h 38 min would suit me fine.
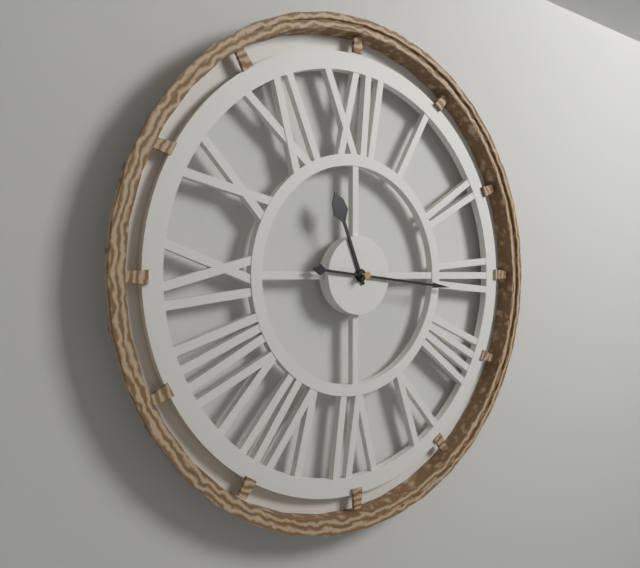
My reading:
11 h 16 min
